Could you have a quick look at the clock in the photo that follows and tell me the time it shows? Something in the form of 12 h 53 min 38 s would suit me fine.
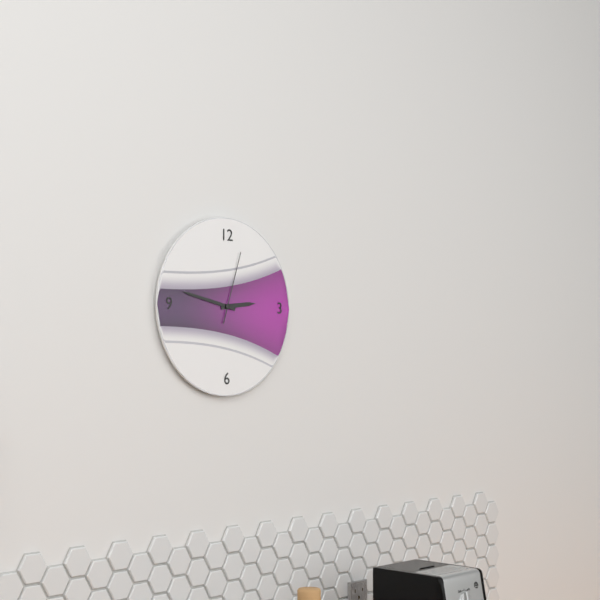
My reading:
2 h 47 min 03 s
